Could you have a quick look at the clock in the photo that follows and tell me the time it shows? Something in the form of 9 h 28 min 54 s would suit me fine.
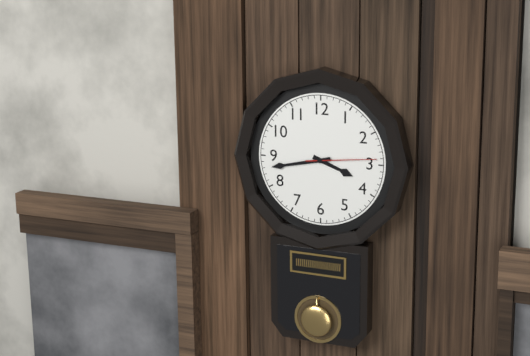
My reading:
3 h 43 min 14 s
